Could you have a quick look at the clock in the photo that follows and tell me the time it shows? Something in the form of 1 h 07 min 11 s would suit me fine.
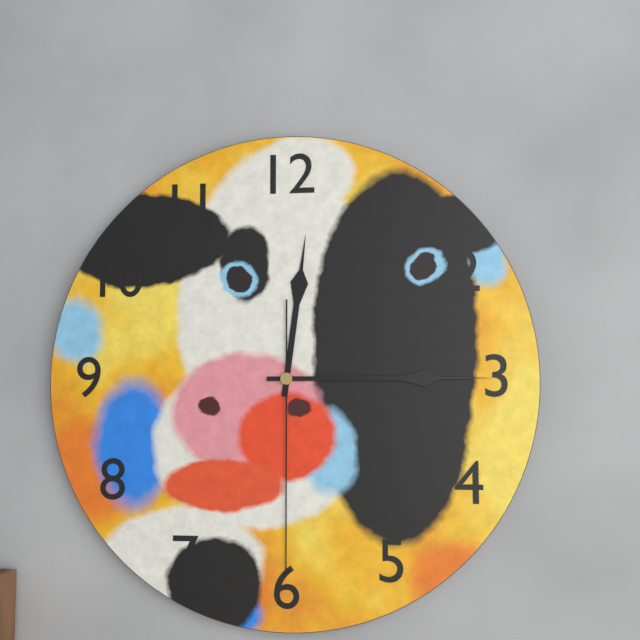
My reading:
12 h 15 min 30 s
